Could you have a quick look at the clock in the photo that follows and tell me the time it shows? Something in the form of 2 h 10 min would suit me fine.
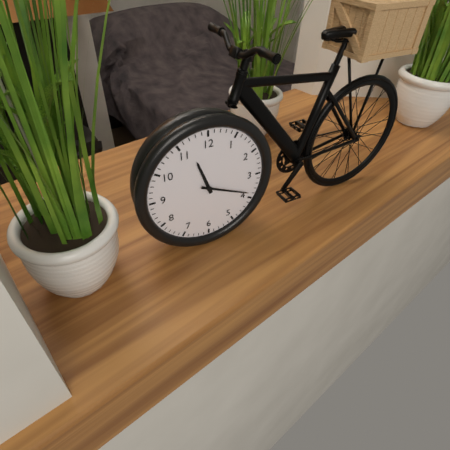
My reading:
11 h 19 min
